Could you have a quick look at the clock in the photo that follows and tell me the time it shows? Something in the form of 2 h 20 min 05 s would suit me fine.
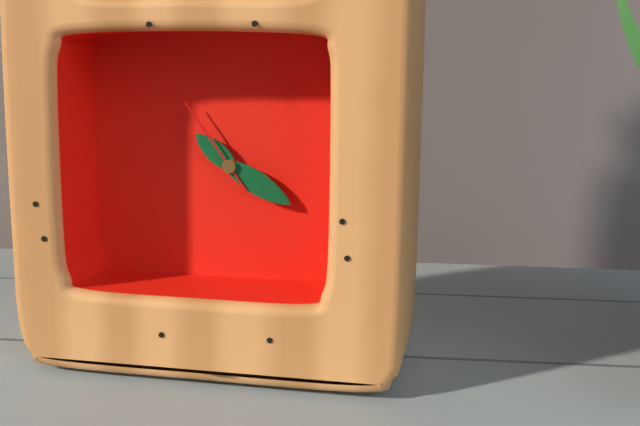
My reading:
10 h 20 min 54 s
